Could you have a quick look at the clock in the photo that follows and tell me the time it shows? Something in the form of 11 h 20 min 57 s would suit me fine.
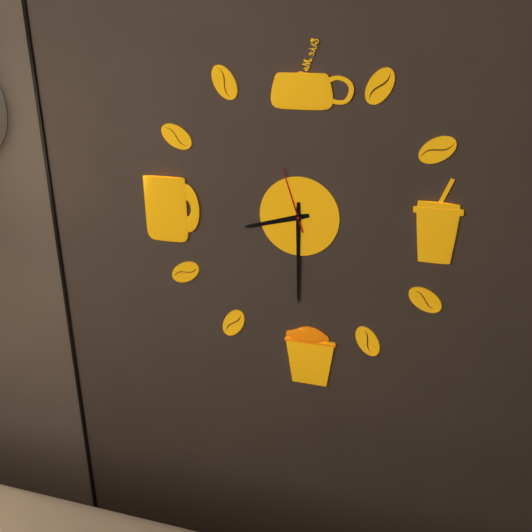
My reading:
8 h 30 min 57 s
